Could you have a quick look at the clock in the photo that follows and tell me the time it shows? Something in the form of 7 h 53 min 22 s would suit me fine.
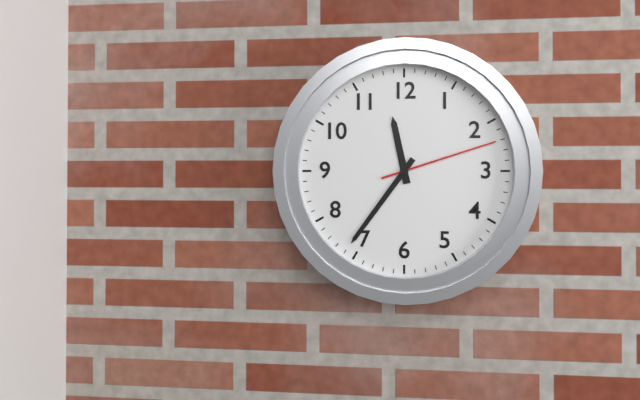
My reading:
11 h 36 min 12 s
